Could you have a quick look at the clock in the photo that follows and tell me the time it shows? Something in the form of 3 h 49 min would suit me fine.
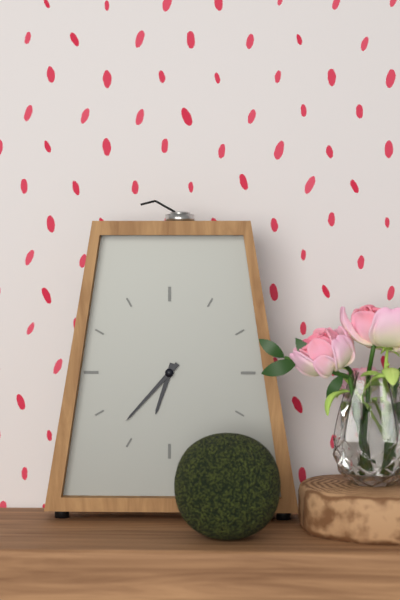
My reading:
6 h 37 min
